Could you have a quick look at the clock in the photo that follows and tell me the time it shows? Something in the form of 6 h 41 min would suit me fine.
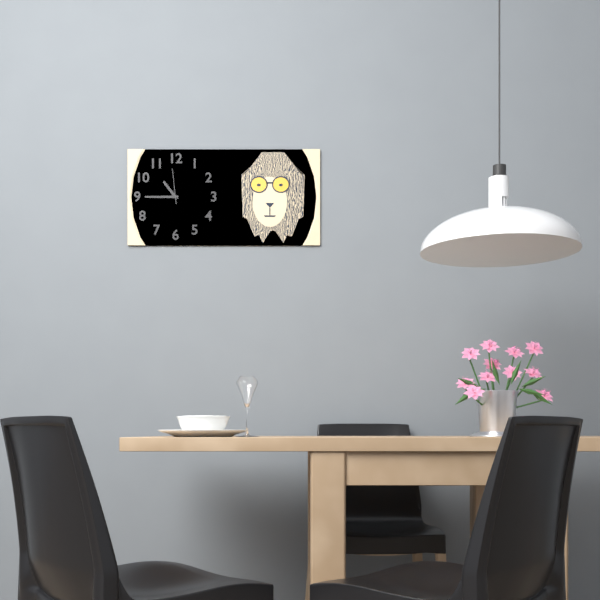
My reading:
10 h 45 min
